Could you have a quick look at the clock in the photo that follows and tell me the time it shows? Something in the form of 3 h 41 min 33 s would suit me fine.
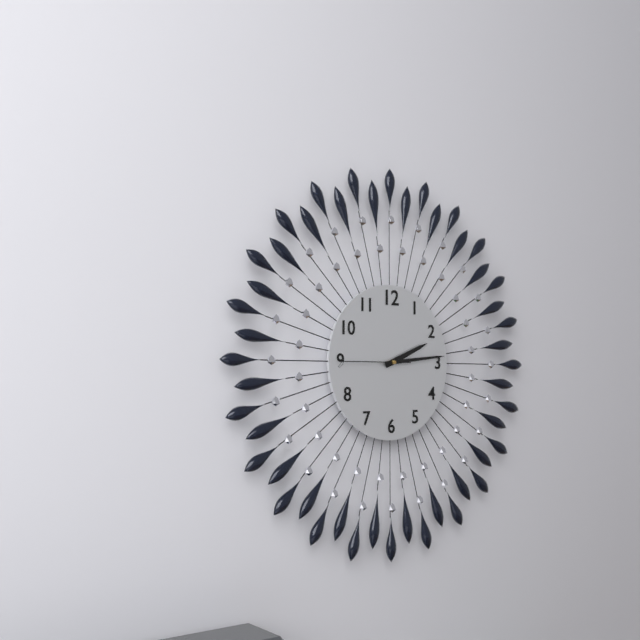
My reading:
2 h 14 min 45 s
